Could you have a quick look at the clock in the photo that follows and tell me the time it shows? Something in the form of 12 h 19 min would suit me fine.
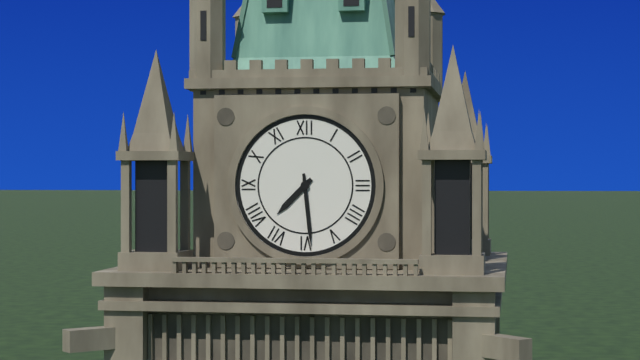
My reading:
7 h 29 min
